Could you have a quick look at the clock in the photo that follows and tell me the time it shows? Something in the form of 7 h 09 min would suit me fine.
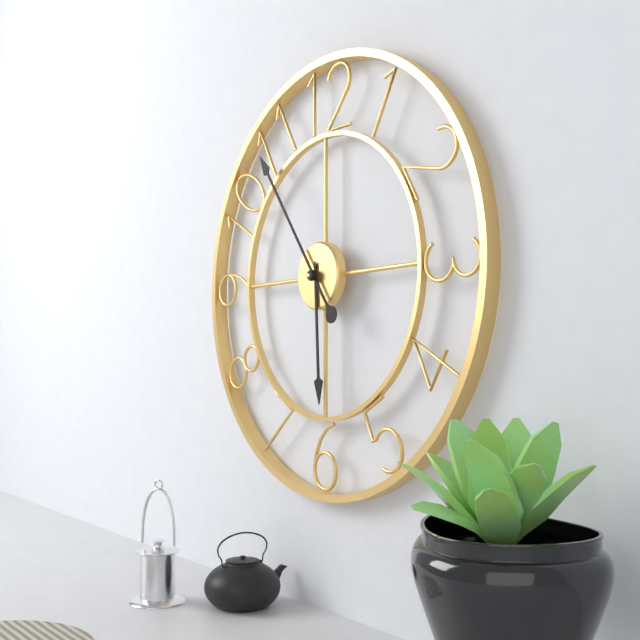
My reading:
5 h 54 min
